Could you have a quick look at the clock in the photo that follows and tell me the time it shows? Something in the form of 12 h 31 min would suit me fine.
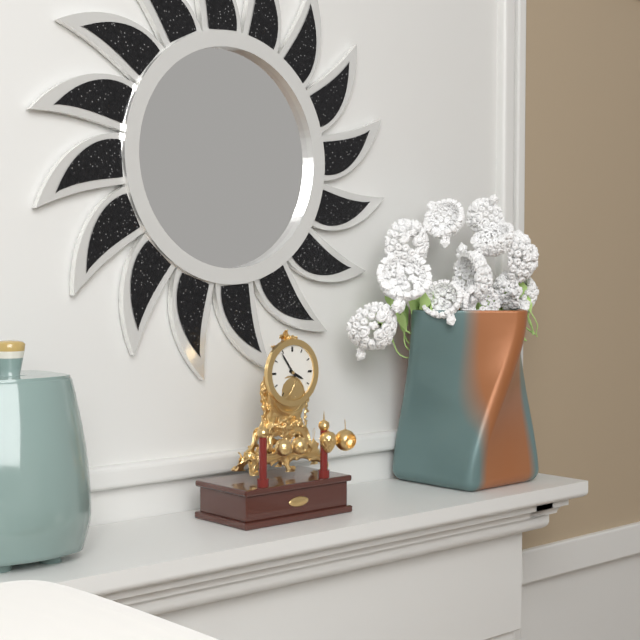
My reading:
3 h 54 min
